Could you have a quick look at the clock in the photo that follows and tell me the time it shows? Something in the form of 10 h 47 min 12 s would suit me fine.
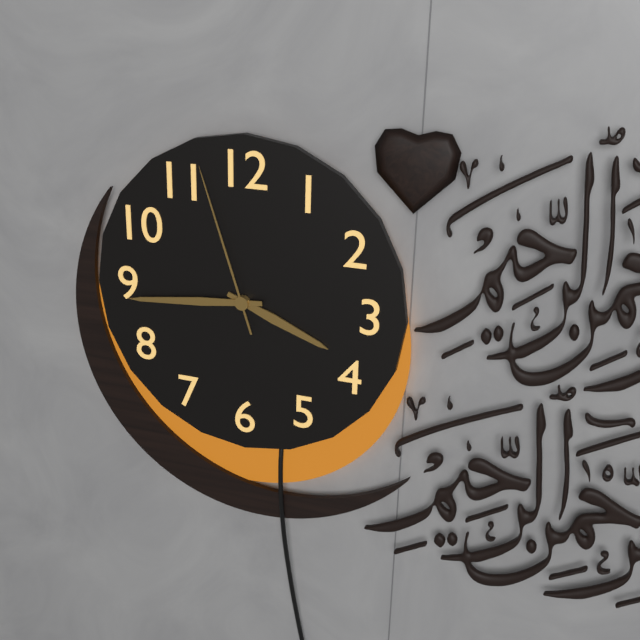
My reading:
3 h 44 min 57 s
